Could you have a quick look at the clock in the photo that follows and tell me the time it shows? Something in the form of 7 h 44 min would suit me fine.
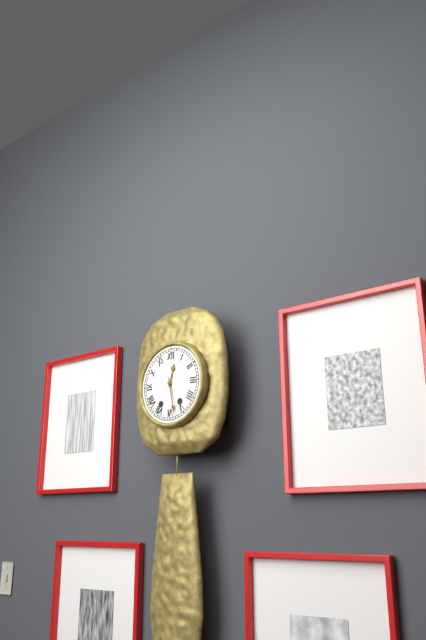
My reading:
12 h 28 min
